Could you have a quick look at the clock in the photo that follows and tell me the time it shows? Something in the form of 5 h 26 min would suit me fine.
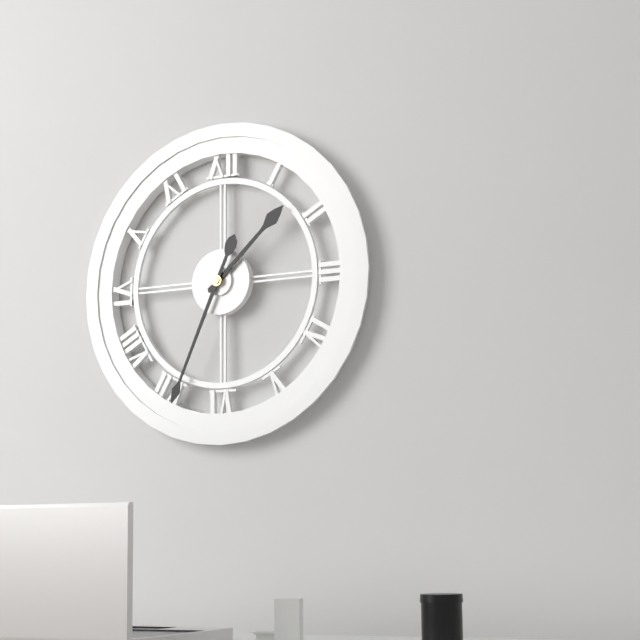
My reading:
1 h 34 min
